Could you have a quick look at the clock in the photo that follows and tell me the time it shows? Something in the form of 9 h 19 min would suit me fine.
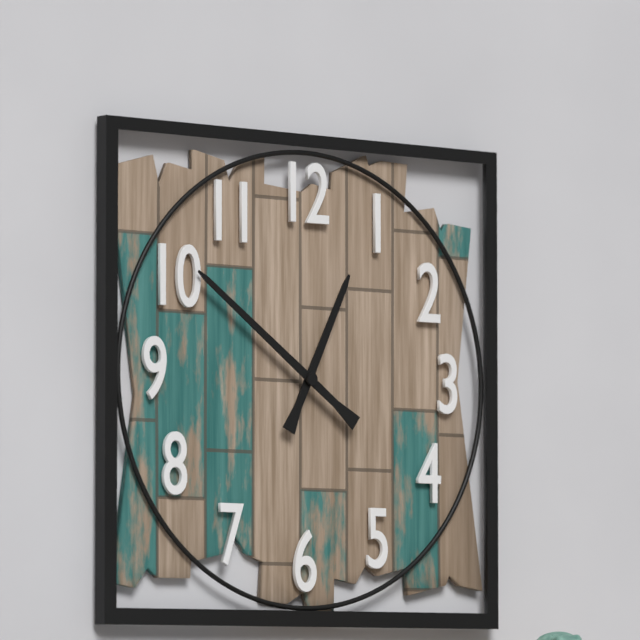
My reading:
12 h 51 min
